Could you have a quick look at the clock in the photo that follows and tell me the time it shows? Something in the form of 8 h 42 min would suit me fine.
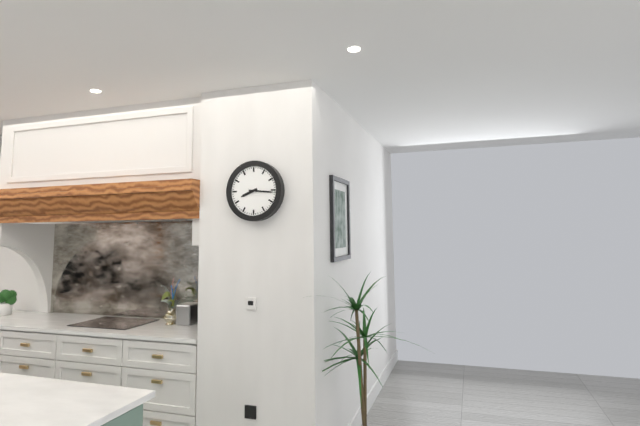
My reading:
8 h 16 min
